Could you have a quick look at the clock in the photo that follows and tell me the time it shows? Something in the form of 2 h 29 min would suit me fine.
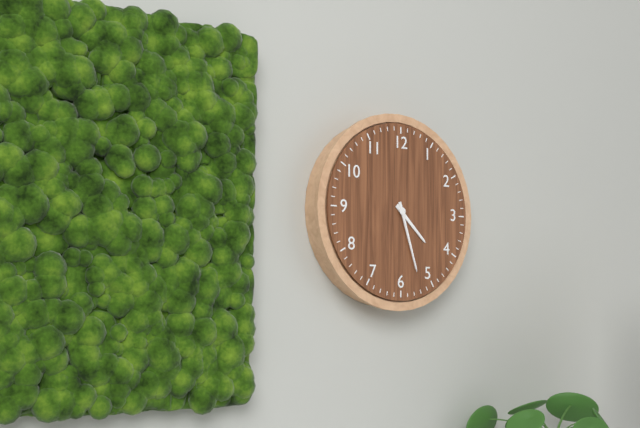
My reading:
4 h 27 min
